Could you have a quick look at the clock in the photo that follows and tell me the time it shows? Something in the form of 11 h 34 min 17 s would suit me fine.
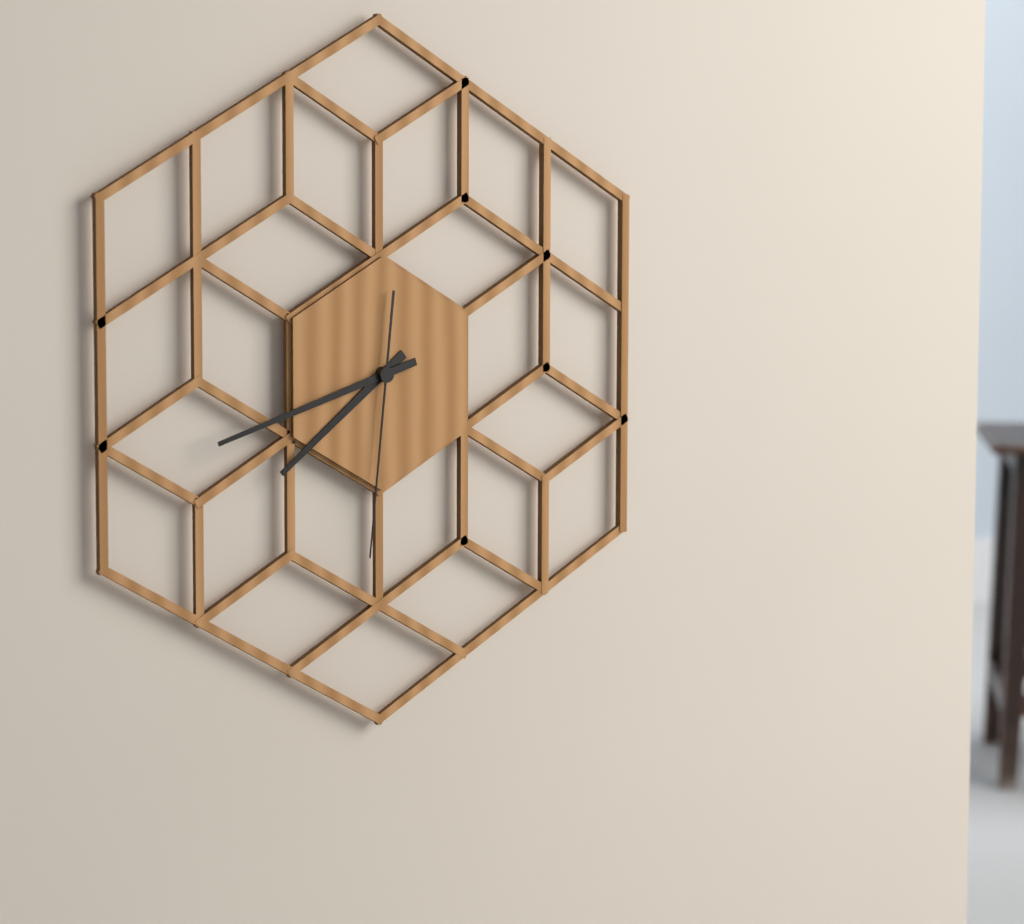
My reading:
7 h 42 min 31 s
